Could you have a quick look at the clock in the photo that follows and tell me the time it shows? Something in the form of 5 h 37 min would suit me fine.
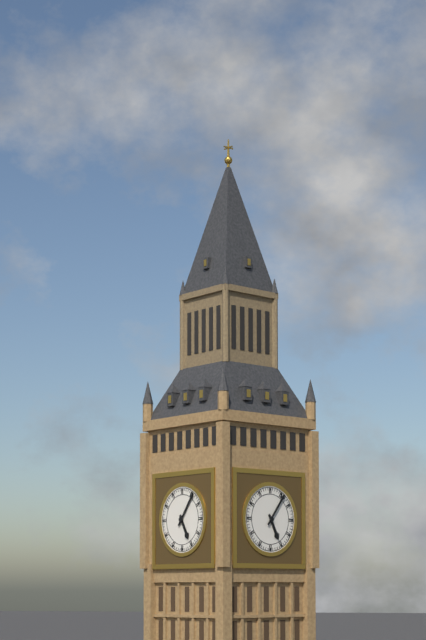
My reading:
5 h 06 min
